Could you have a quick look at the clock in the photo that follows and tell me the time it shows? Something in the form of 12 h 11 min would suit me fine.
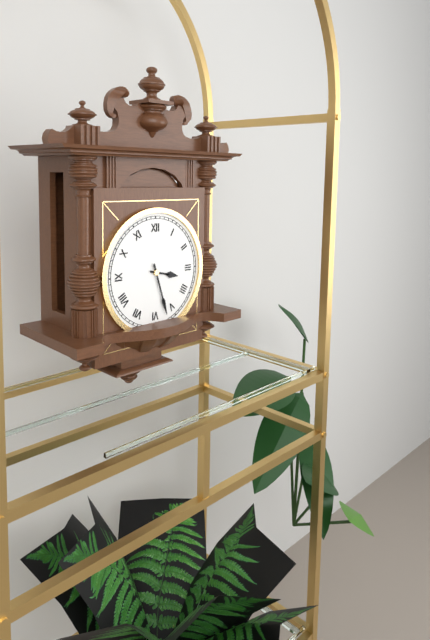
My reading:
3 h 27 min
